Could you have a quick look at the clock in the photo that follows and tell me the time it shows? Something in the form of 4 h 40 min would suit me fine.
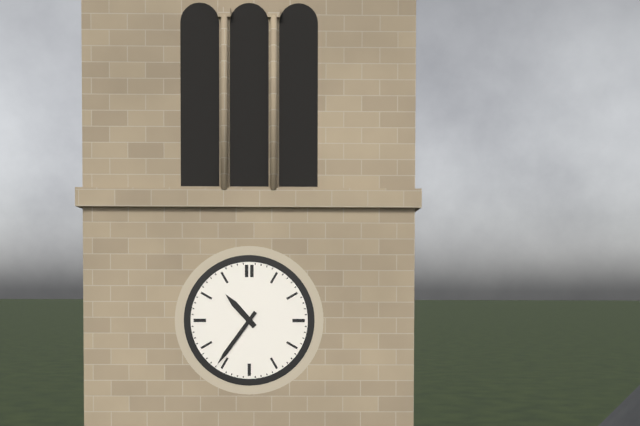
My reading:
10 h 36 min
